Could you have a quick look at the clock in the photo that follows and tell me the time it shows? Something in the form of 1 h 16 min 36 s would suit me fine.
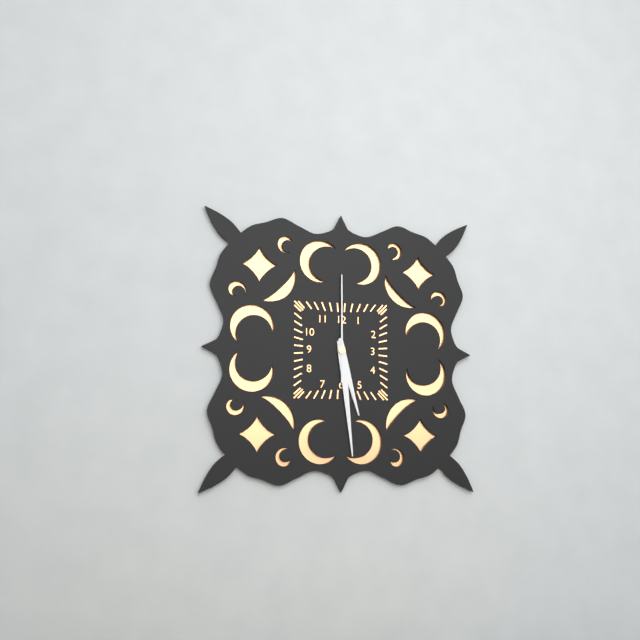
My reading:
5 h 29 min 00 s
